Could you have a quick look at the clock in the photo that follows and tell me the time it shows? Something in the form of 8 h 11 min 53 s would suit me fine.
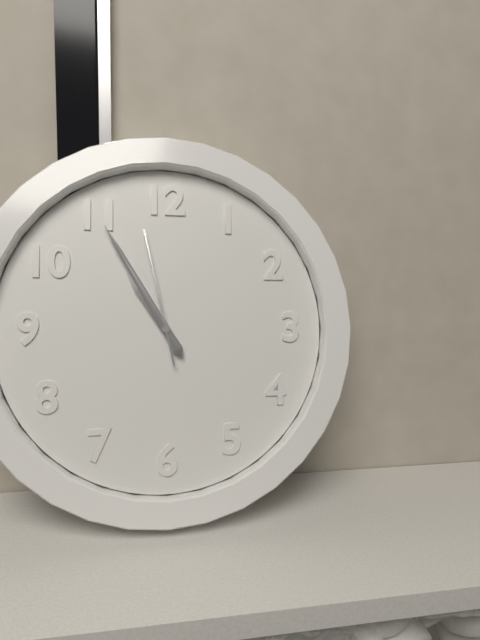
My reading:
10 h 55 min 58 s
